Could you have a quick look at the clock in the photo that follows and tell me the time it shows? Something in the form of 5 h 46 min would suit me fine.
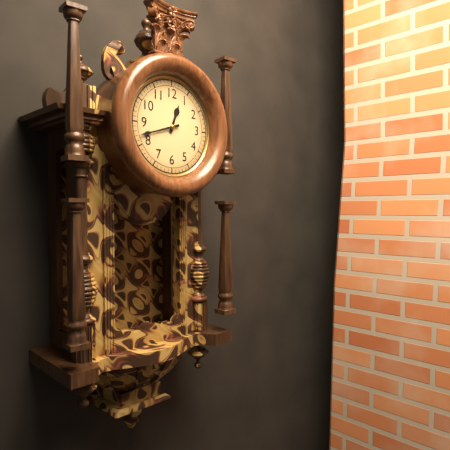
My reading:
12 h 42 min
